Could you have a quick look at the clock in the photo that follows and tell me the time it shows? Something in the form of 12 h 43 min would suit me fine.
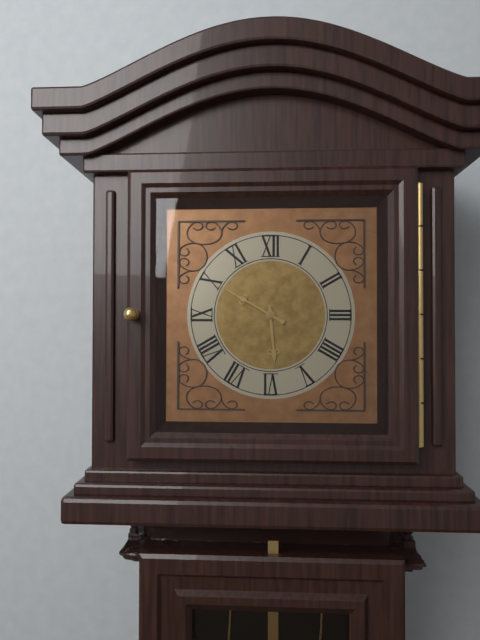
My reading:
5 h 50 min
